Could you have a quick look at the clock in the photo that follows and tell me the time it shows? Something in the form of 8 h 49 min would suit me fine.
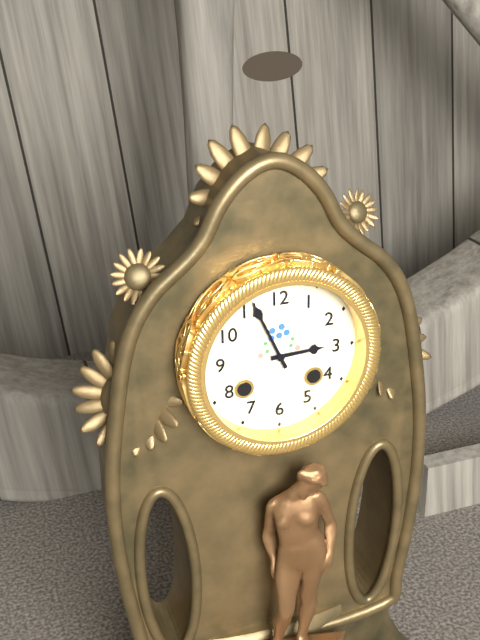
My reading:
2 h 56 min
